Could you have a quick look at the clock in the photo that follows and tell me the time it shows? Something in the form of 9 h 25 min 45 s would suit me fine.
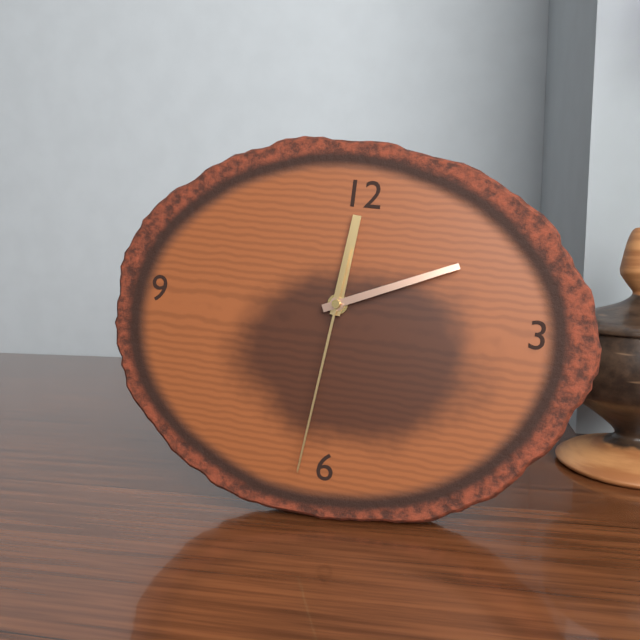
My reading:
12 h 11 min 31 s
